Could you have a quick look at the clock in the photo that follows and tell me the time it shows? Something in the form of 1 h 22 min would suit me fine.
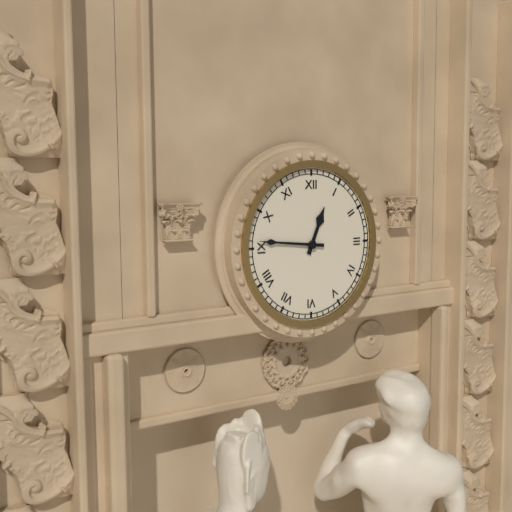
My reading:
12 h 46 min
